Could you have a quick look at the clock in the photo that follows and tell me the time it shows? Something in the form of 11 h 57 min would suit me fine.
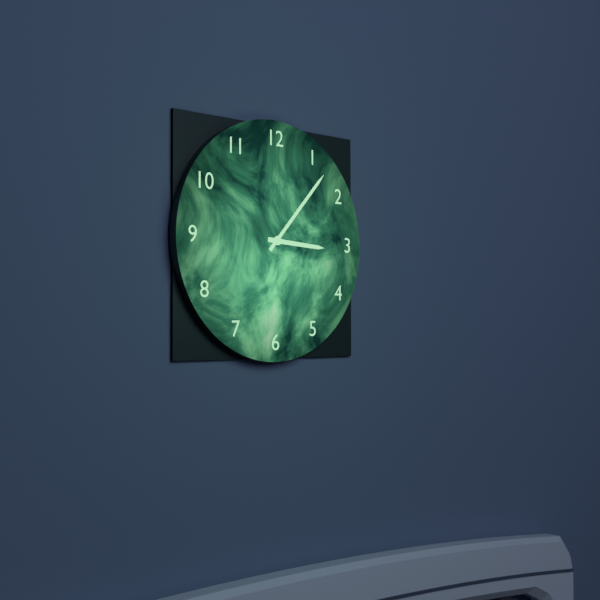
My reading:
3 h 07 min
